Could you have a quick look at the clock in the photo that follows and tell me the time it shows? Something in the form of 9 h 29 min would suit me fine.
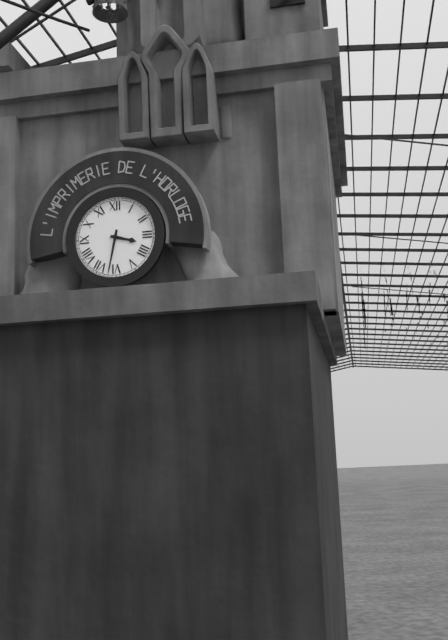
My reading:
3 h 32 min
